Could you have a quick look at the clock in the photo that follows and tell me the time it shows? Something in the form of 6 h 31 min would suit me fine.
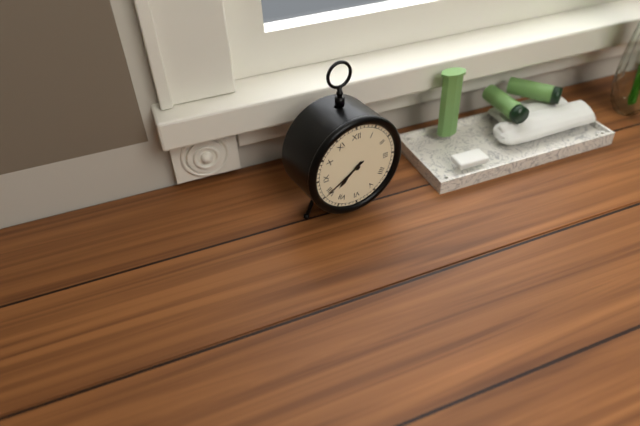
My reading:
7 h 40 min
